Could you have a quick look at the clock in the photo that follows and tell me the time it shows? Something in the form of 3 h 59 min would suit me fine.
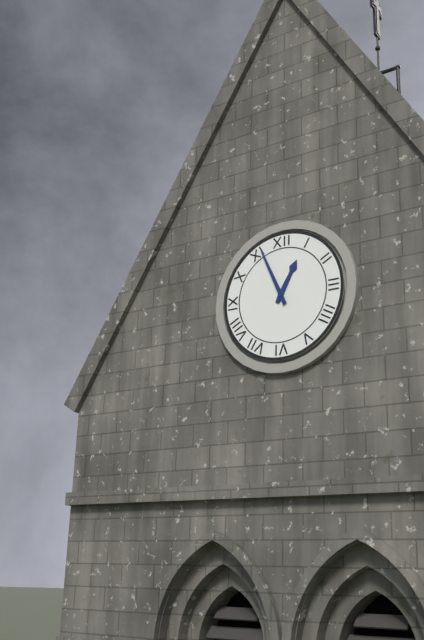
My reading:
12 h 56 min
